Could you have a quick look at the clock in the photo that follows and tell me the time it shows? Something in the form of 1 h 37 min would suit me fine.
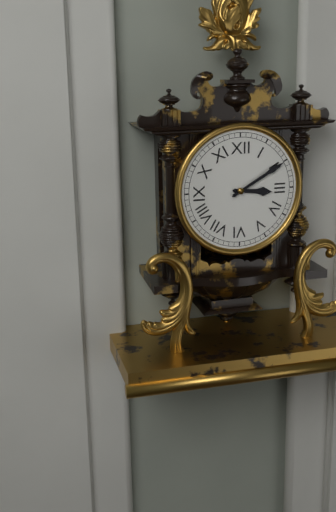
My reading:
3 h 10 min
